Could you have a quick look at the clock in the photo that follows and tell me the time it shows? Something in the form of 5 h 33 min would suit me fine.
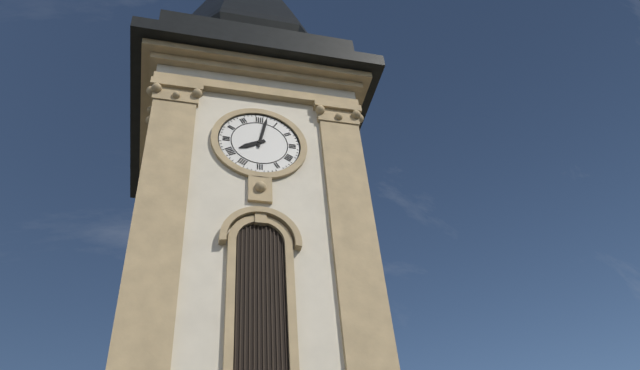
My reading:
8 h 02 min
